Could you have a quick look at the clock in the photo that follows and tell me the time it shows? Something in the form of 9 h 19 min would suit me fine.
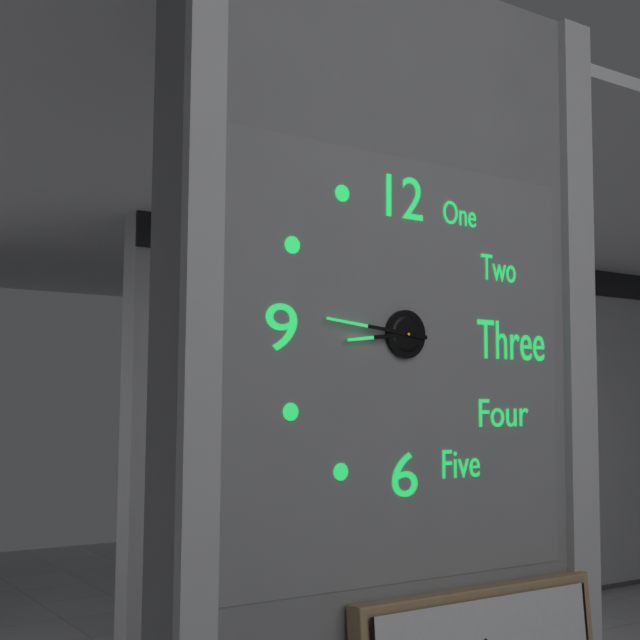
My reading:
8 h 46 min
